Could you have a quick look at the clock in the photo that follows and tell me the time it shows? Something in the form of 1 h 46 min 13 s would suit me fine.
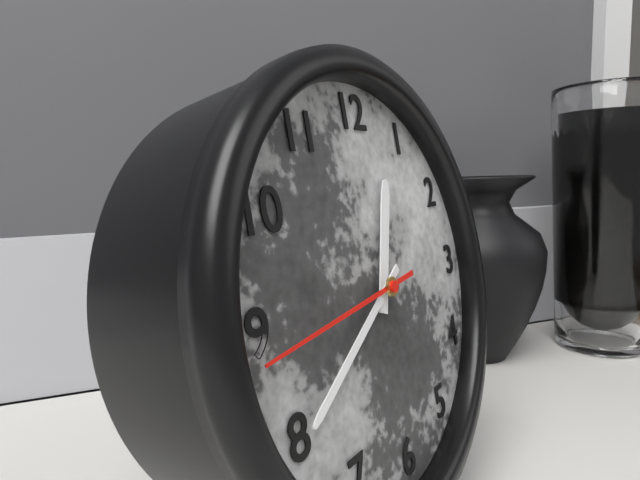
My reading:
12 h 40 min 44 s
